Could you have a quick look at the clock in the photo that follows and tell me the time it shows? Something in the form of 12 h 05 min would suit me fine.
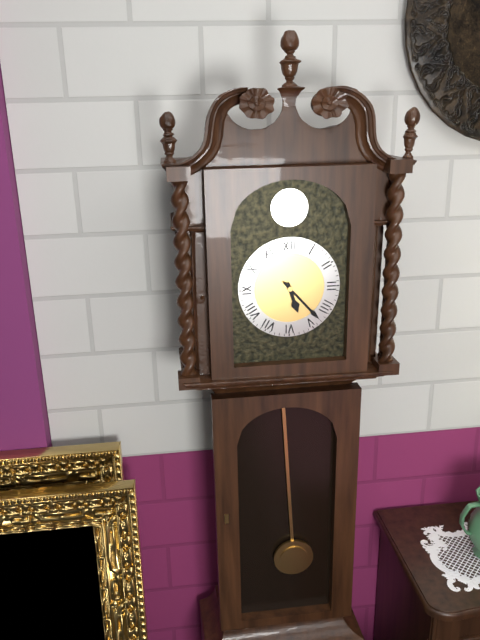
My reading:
5 h 23 min
